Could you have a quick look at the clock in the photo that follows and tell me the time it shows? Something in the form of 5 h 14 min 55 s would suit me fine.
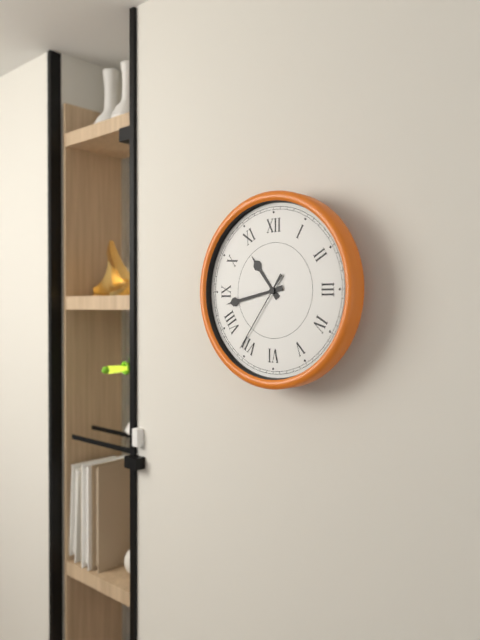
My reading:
10 h 43 min 36 s
